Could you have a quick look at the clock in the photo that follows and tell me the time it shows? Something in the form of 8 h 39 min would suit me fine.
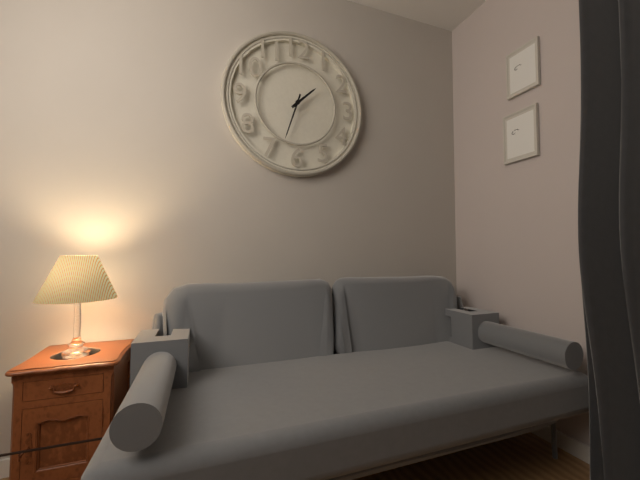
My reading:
1 h 33 min
